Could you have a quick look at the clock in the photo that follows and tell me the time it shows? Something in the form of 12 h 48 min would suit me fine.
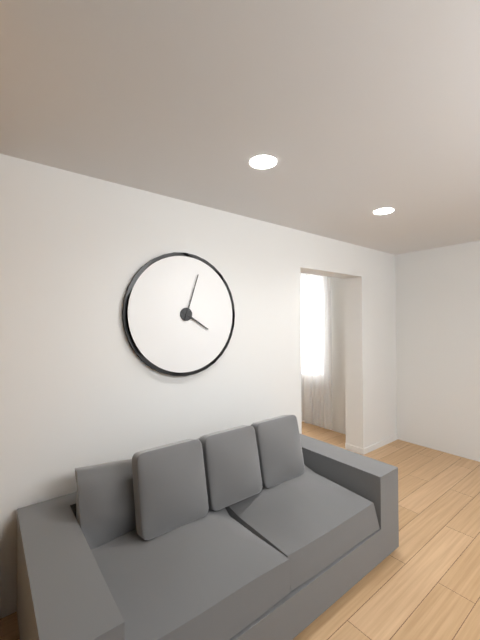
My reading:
4 h 03 min
